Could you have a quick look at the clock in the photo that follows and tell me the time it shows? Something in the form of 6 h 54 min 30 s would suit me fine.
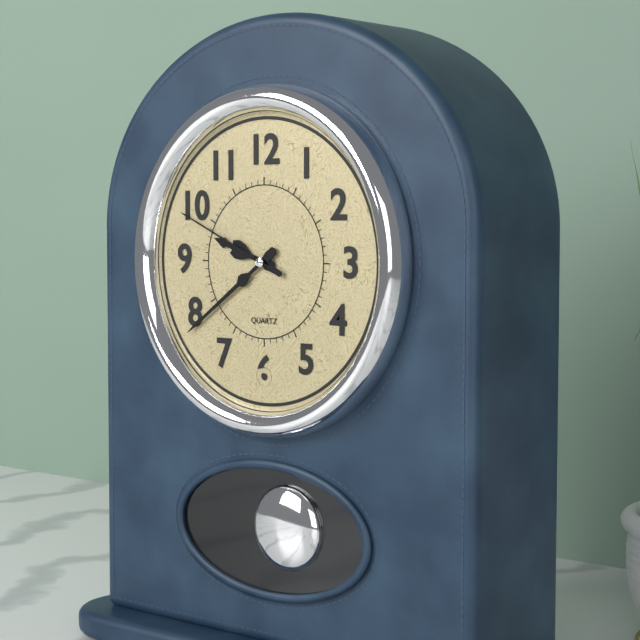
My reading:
9 h 39 min 49 s
